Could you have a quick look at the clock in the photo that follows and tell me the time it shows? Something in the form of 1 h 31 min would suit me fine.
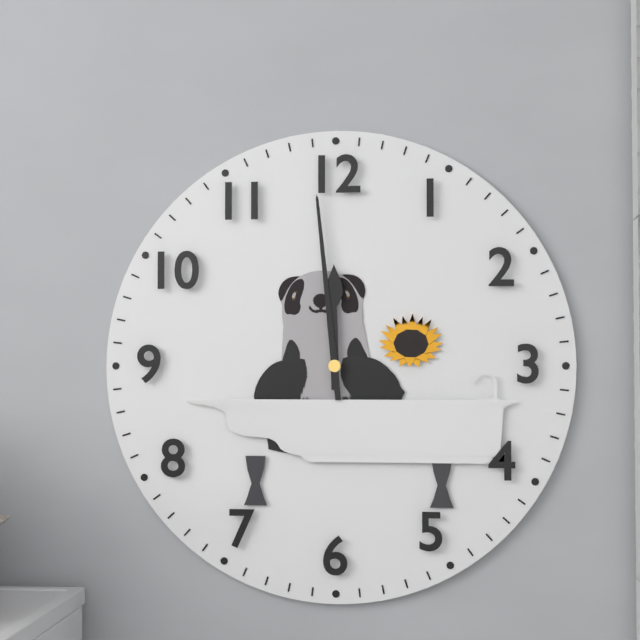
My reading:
11 h 59 min
